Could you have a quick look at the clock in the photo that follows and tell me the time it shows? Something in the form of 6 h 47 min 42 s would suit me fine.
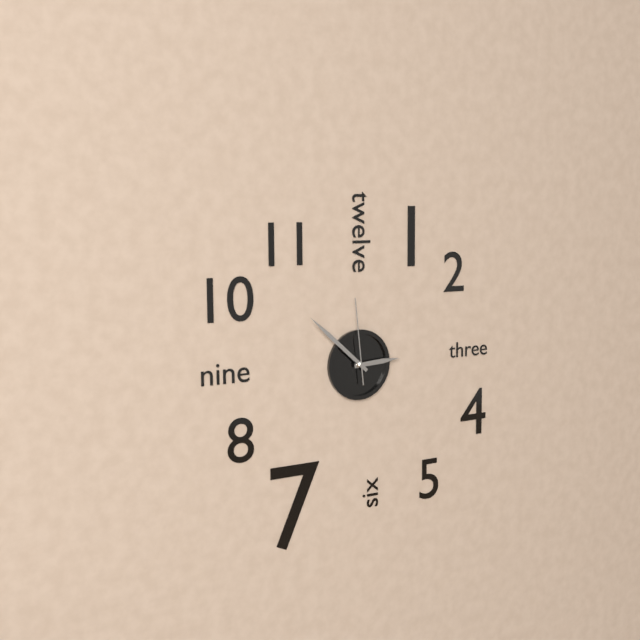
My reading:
2 h 52 min 59 s
